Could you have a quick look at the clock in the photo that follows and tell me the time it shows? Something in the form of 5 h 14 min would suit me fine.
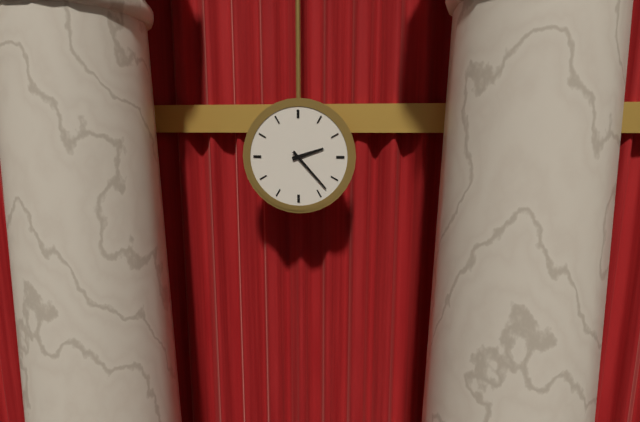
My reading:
2 h 23 min
